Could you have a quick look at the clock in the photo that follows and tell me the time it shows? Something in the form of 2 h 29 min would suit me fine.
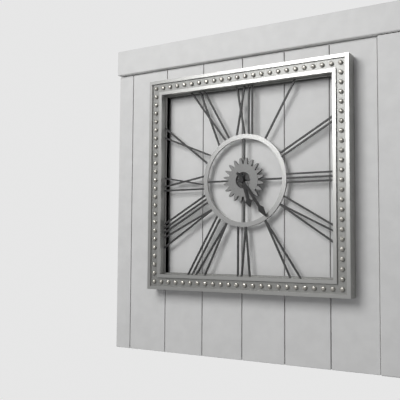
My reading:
5 h 24 min
